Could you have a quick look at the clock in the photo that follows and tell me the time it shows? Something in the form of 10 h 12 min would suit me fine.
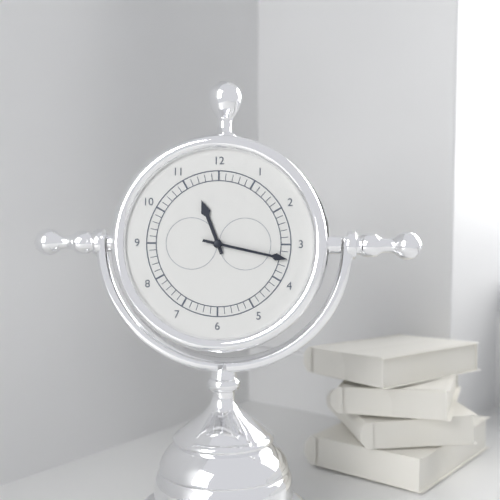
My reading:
11 h 17 min
